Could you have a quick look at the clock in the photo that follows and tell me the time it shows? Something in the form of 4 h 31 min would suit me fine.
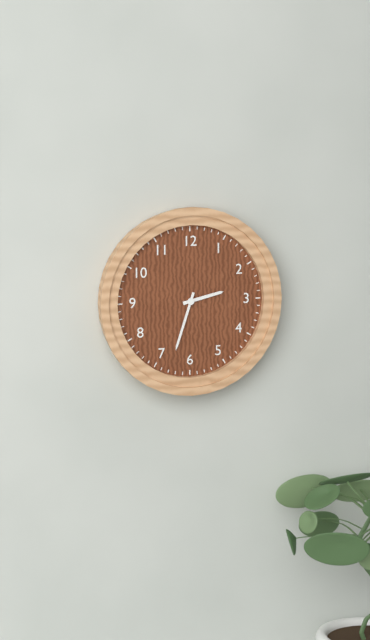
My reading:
2 h 33 min
